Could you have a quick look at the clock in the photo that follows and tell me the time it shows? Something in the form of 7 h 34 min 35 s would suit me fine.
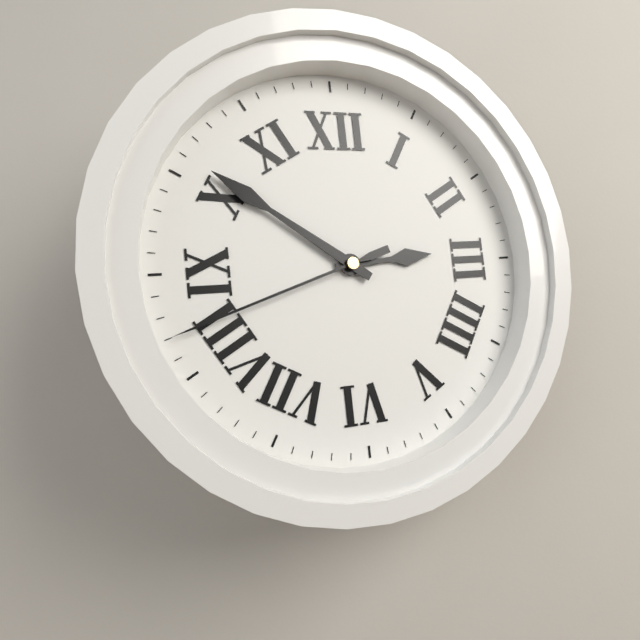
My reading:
2 h 51 min 42 s
